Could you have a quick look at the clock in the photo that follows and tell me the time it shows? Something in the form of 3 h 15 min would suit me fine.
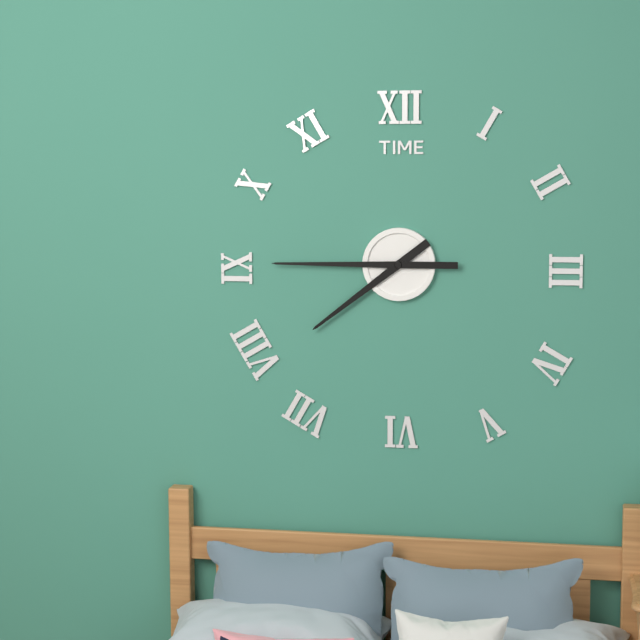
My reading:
7 h 45 min
